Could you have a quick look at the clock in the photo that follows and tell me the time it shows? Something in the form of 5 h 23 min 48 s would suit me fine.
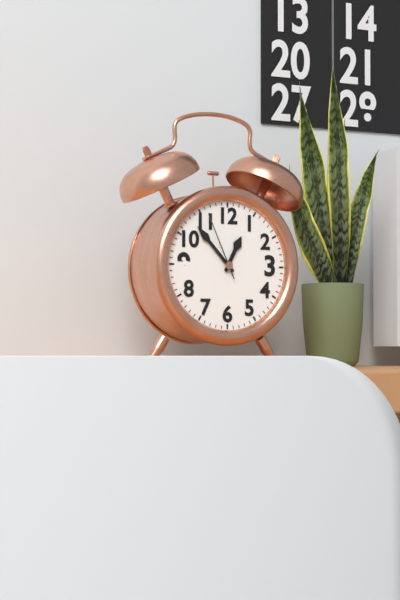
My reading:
12 h 53 min 56 s
